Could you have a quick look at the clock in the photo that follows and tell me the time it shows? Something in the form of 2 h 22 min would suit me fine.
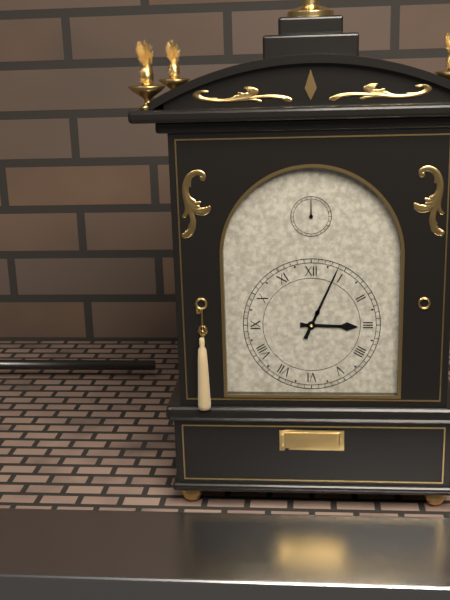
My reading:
3 h 04 min
